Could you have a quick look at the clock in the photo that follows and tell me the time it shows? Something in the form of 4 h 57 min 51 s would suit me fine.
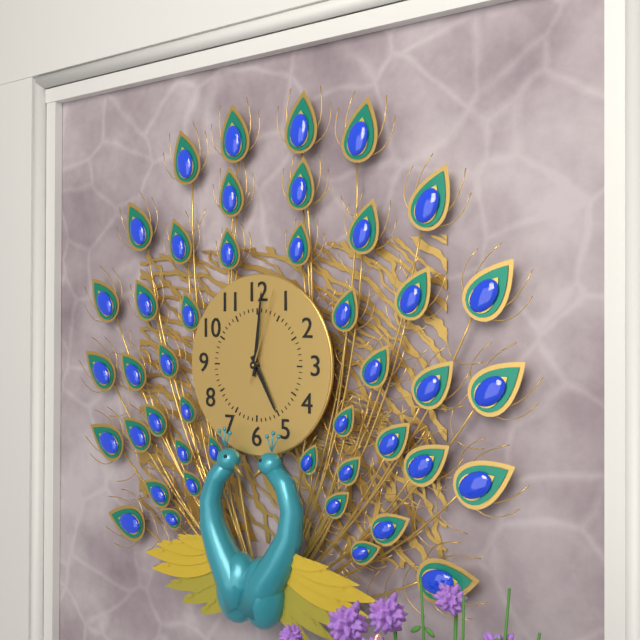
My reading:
5 h 01 min 03 s
